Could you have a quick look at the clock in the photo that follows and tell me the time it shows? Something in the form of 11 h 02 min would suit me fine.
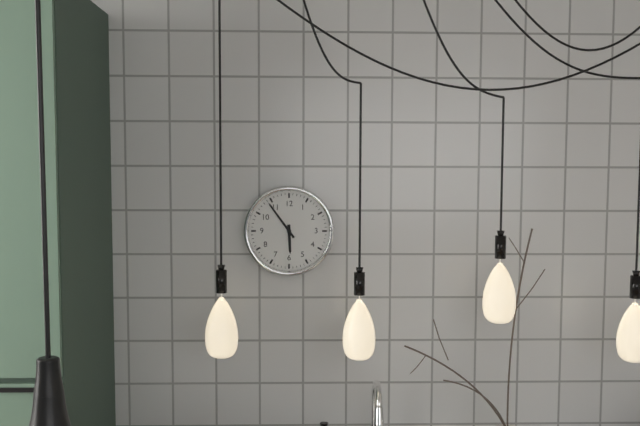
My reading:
5 h 54 min
